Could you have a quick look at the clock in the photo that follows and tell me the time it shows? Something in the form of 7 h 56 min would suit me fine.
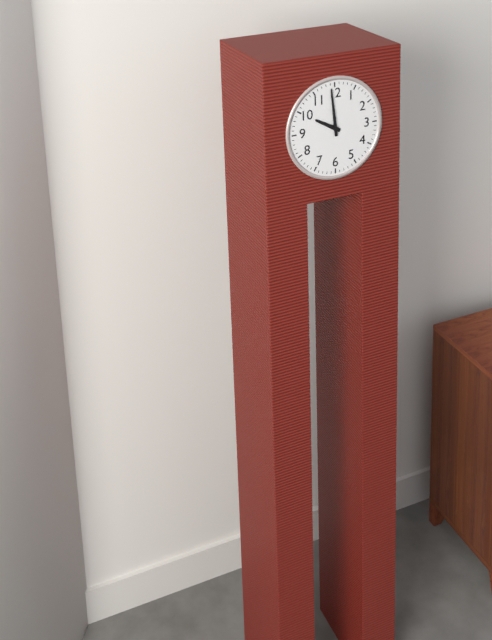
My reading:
9 h 59 min
